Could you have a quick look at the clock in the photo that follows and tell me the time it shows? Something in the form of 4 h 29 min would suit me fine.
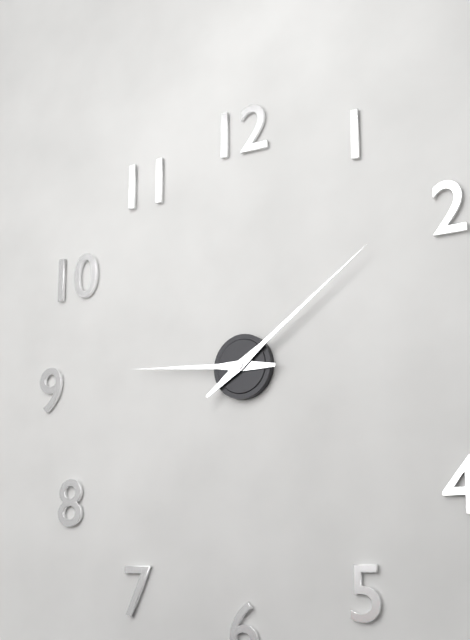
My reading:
9 h 09 min
